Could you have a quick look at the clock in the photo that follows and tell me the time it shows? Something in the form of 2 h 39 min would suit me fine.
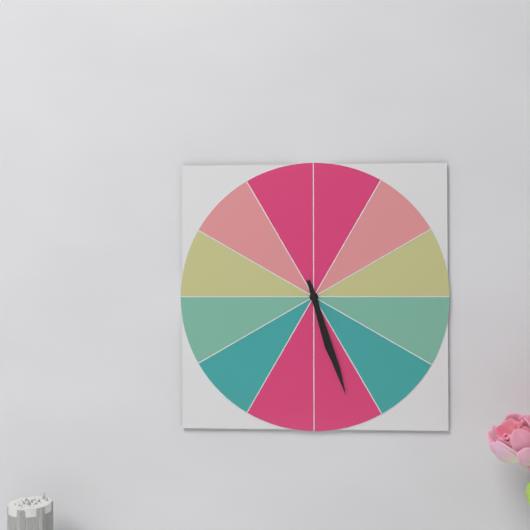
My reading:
5 h 27 min
